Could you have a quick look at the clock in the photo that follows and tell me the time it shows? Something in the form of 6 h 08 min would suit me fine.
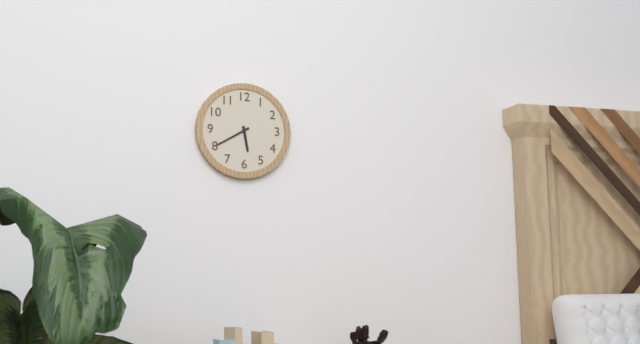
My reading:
5 h 40 min
